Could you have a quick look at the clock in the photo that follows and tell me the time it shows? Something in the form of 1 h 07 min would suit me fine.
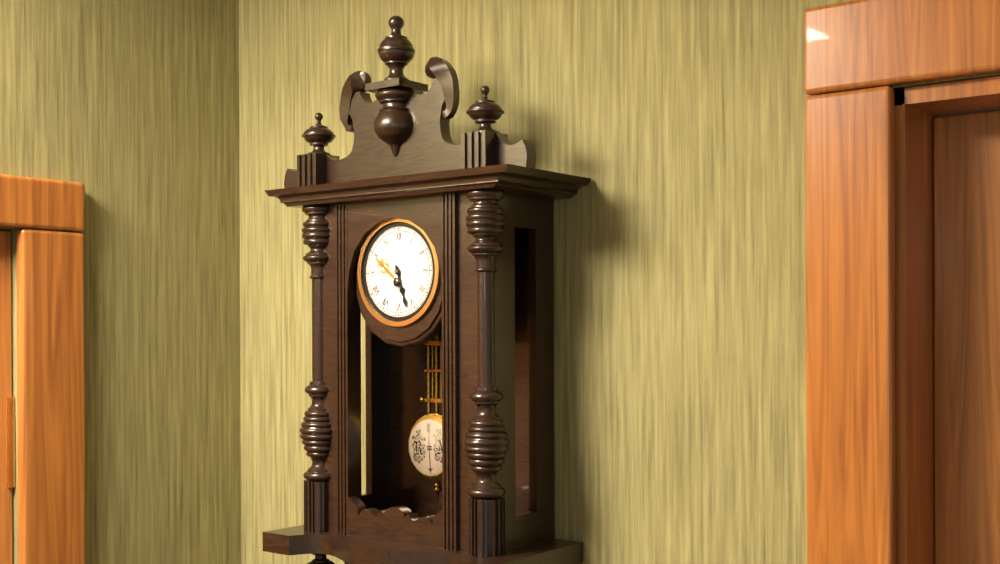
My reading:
5 h 27 min
